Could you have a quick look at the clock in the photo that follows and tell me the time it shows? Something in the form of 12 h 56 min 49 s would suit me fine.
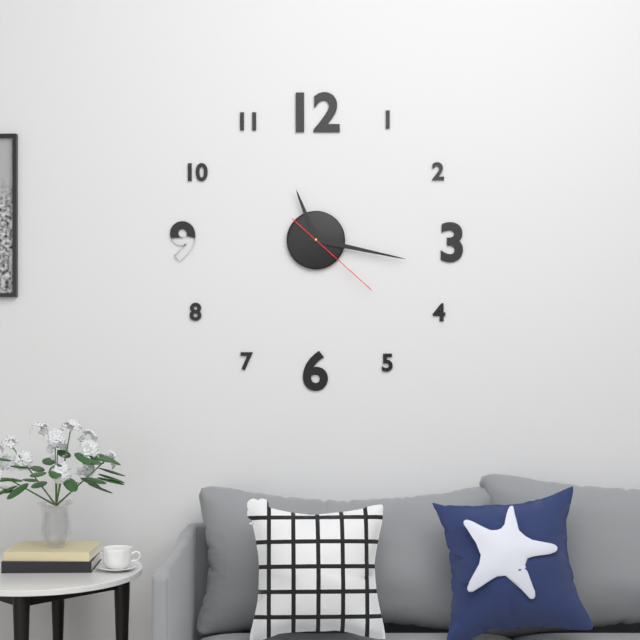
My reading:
11 h 17 min 22 s
